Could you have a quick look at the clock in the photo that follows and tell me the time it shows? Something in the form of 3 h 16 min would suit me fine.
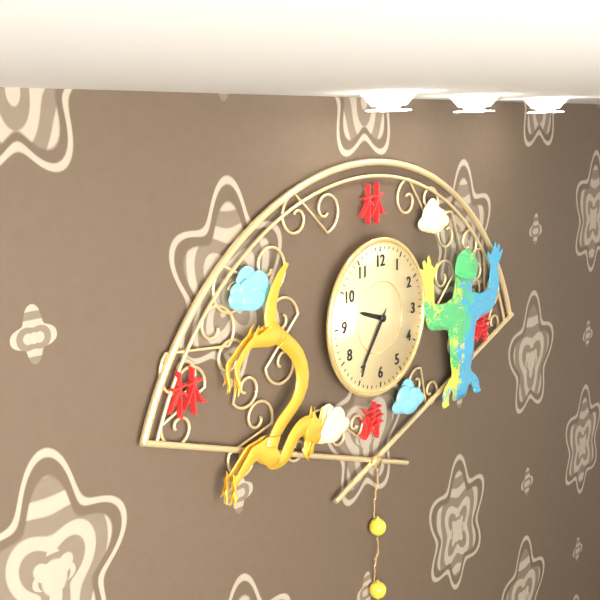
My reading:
9 h 36 min
